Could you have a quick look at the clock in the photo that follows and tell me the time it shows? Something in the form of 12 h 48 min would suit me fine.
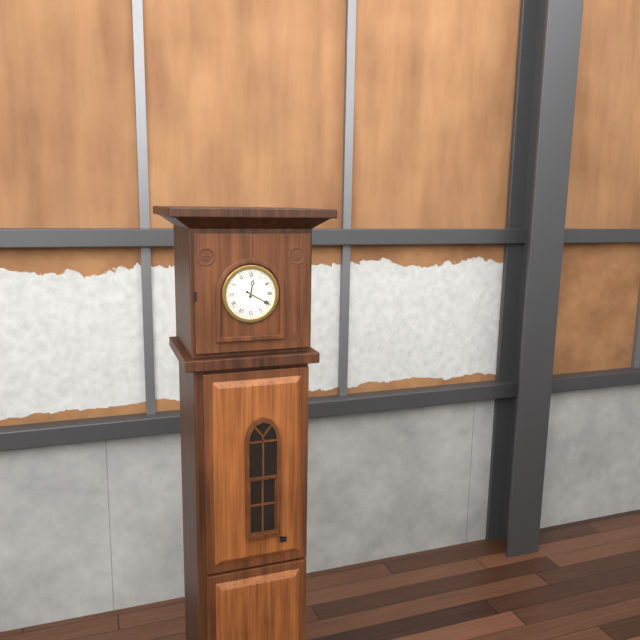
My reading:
12 h 20 min
